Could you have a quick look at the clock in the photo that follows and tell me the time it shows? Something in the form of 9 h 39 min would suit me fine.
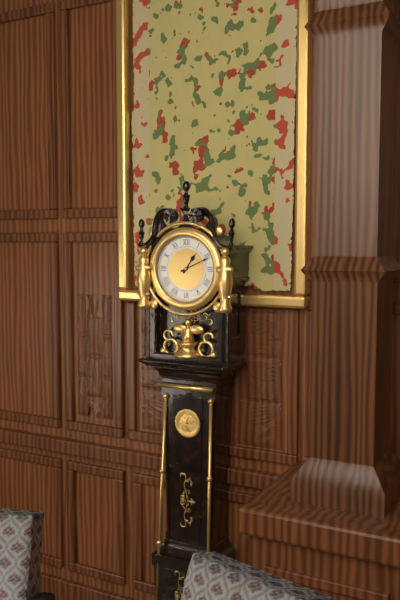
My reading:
1 h 11 min
